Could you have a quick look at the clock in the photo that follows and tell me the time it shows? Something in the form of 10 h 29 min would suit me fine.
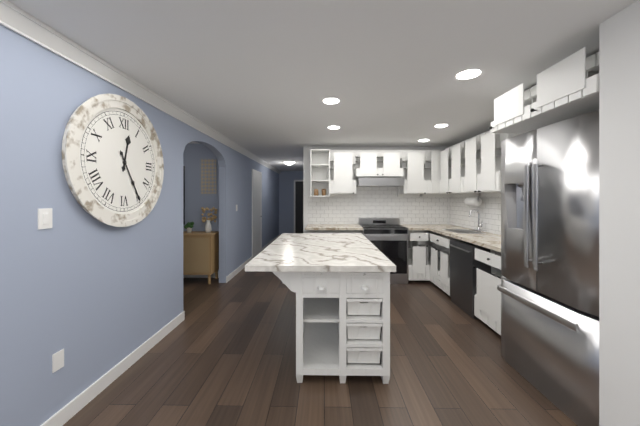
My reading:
12 h 25 min
